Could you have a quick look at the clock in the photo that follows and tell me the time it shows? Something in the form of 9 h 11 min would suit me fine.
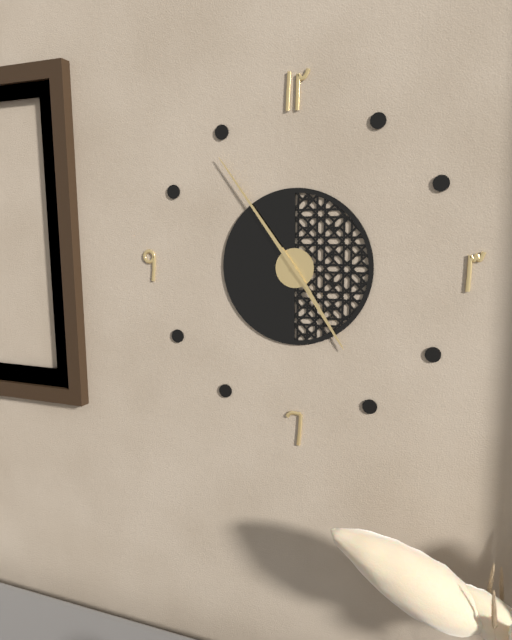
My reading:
4 h 54 min
